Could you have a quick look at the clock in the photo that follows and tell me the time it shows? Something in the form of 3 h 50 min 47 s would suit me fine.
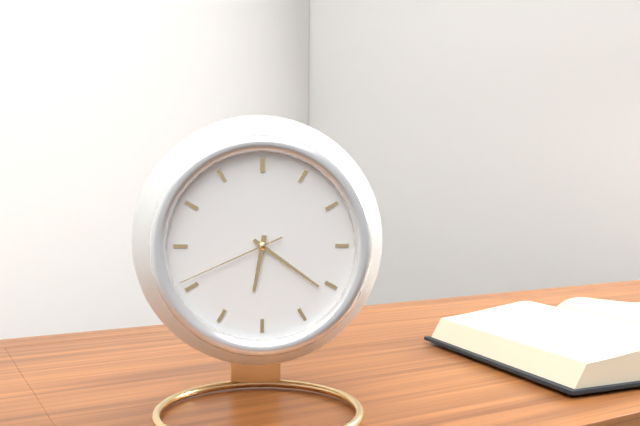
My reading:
6 h 21 min 41 s
